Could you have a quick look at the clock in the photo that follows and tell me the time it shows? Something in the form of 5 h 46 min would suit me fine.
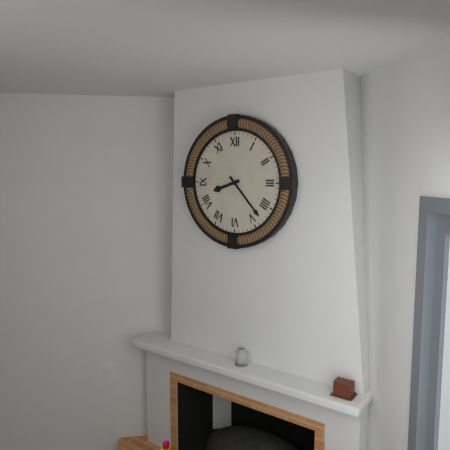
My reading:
8 h 23 min
